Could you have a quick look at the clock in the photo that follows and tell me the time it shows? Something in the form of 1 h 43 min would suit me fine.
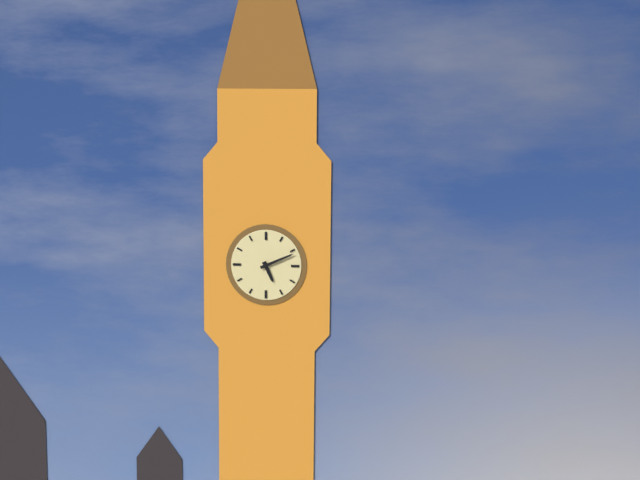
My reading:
5 h 11 min
